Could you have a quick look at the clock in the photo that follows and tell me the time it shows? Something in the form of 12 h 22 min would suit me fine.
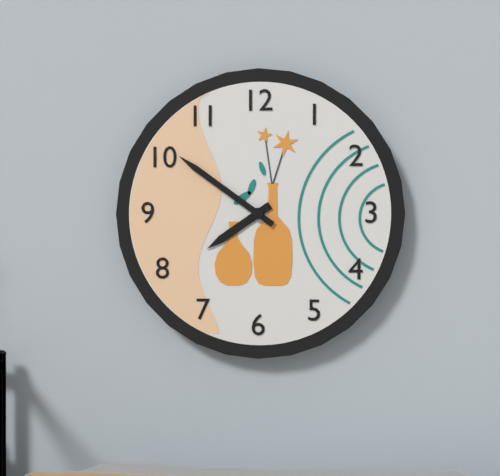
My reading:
7 h 51 min
